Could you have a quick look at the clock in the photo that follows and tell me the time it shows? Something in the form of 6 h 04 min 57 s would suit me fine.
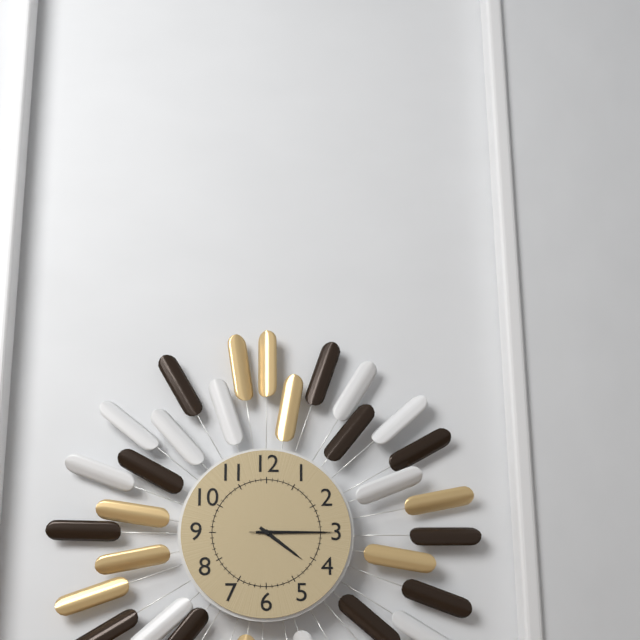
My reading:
4 h 15 min 15 s
